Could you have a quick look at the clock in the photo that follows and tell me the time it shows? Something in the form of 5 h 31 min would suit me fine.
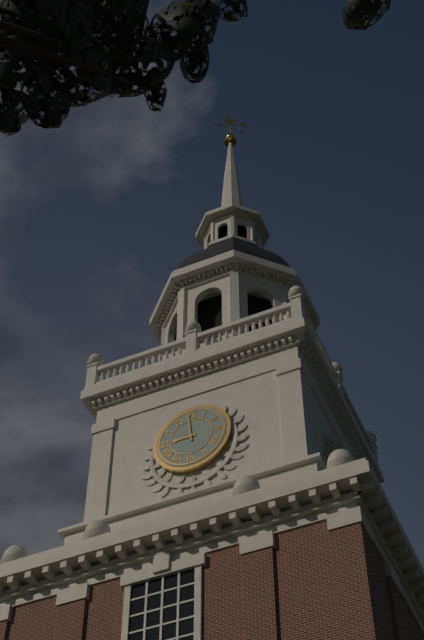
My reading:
8 h 59 min
